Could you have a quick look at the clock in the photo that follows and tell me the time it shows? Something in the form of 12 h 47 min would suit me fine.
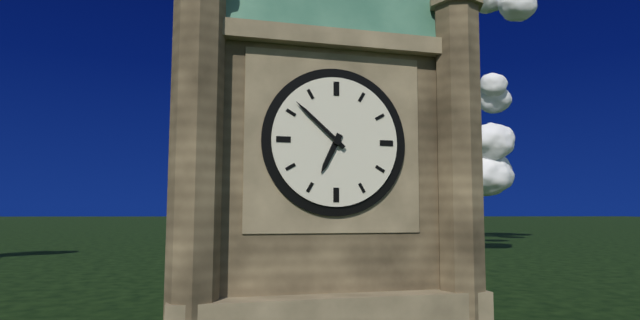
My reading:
6 h 52 min
